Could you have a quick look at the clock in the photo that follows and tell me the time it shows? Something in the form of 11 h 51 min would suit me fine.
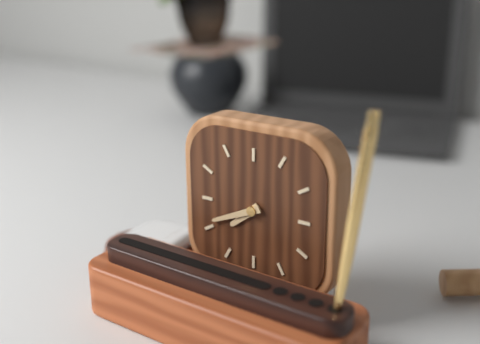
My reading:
7 h 41 min
